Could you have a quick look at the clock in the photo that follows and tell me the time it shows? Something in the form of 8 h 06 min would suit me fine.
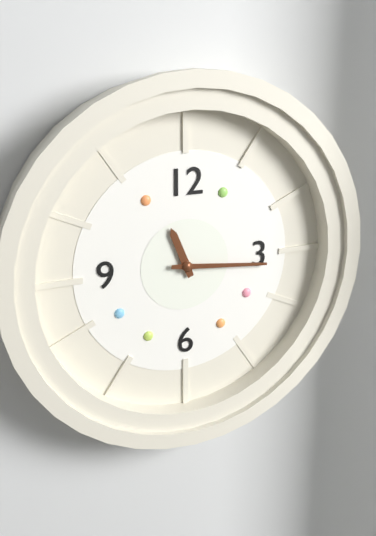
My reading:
11 h 16 min
